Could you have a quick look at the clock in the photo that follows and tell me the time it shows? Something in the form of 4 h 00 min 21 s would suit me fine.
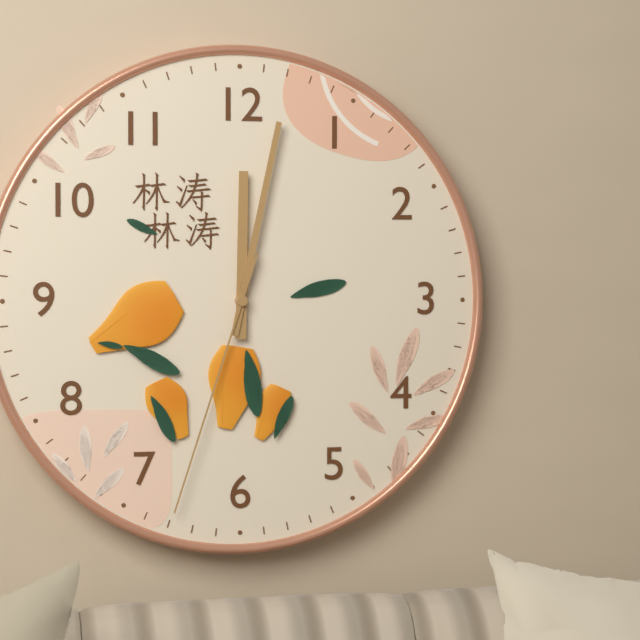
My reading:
12 h 02 min 33 s
